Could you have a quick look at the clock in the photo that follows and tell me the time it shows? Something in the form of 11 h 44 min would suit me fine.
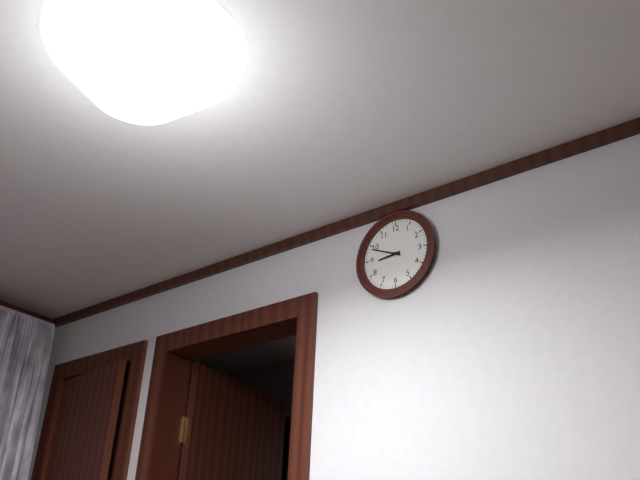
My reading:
8 h 49 min
